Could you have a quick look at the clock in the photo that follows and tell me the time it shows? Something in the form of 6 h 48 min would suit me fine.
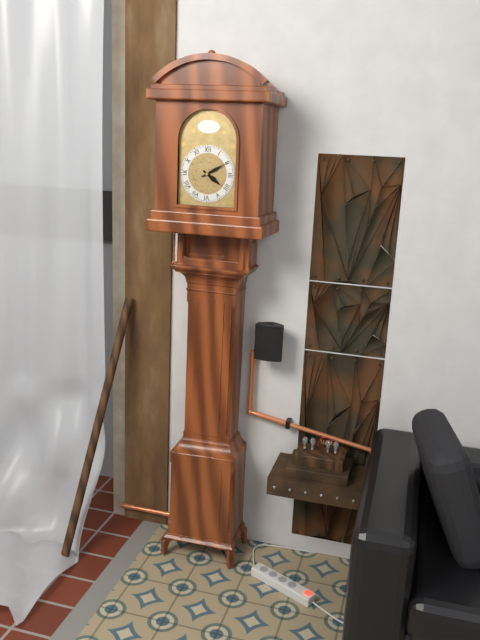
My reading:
4 h 10 min
